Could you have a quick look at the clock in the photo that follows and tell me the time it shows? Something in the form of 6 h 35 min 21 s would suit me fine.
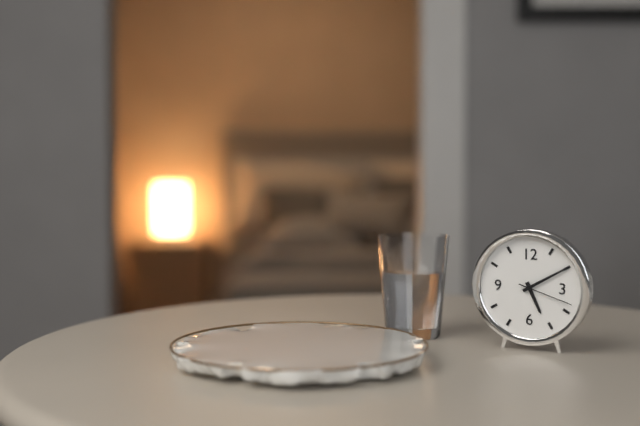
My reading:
5 h 10 min 18 s
